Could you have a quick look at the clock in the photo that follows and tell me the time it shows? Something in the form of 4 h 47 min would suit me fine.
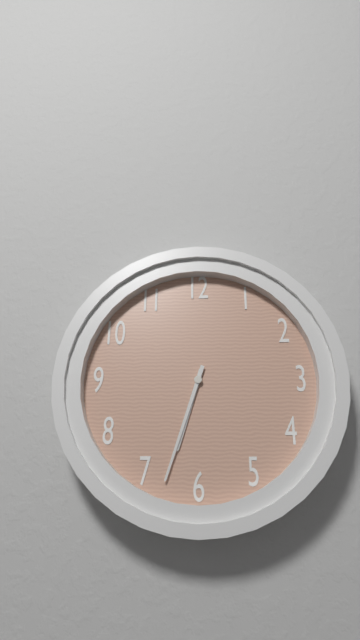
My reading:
6 h 33 min
